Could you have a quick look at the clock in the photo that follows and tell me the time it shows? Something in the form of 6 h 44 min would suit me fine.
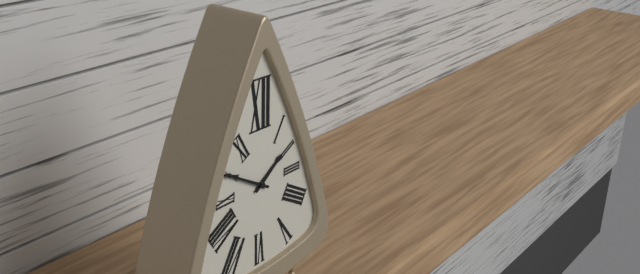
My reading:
1 h 50 min
